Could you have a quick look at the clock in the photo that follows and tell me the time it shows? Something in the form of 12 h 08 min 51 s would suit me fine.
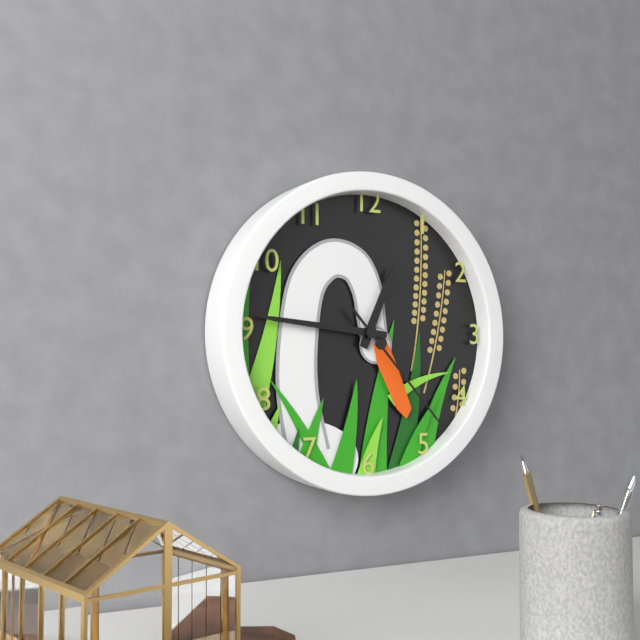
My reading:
12 h 46 min 23 s
